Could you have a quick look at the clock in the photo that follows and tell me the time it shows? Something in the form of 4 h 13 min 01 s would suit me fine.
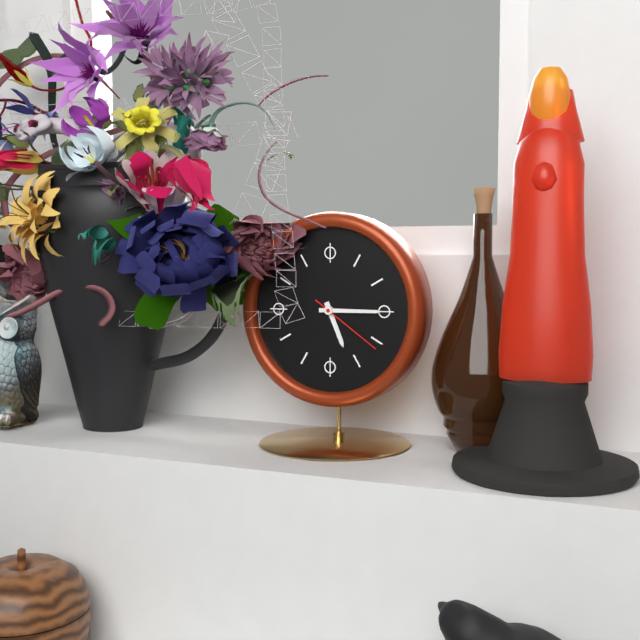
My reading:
5 h 15 min 21 s
